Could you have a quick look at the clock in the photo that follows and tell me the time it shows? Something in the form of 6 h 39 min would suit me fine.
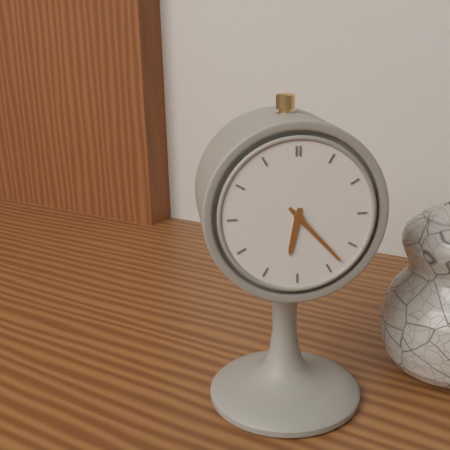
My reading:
6 h 23 min
